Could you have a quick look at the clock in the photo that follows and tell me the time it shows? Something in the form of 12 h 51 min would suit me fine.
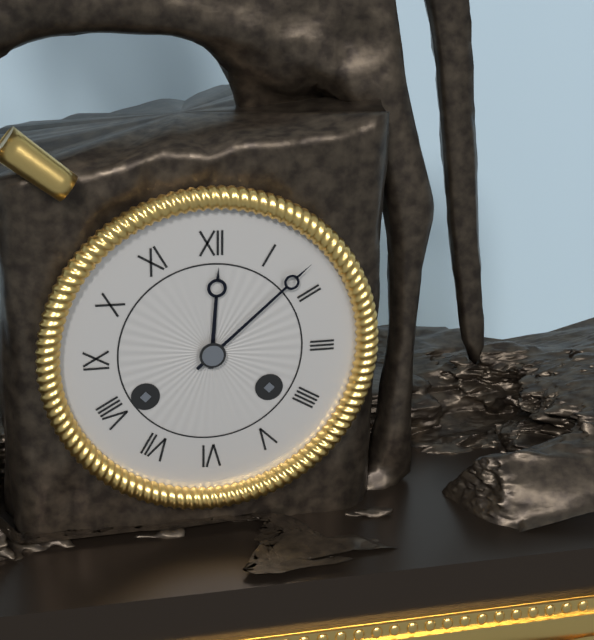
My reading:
12 h 08 min
